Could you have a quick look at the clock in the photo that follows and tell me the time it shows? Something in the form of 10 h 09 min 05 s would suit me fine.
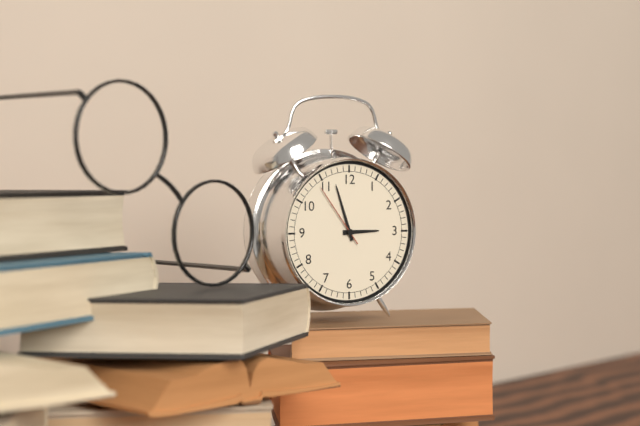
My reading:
2 h 57 min 54 s
